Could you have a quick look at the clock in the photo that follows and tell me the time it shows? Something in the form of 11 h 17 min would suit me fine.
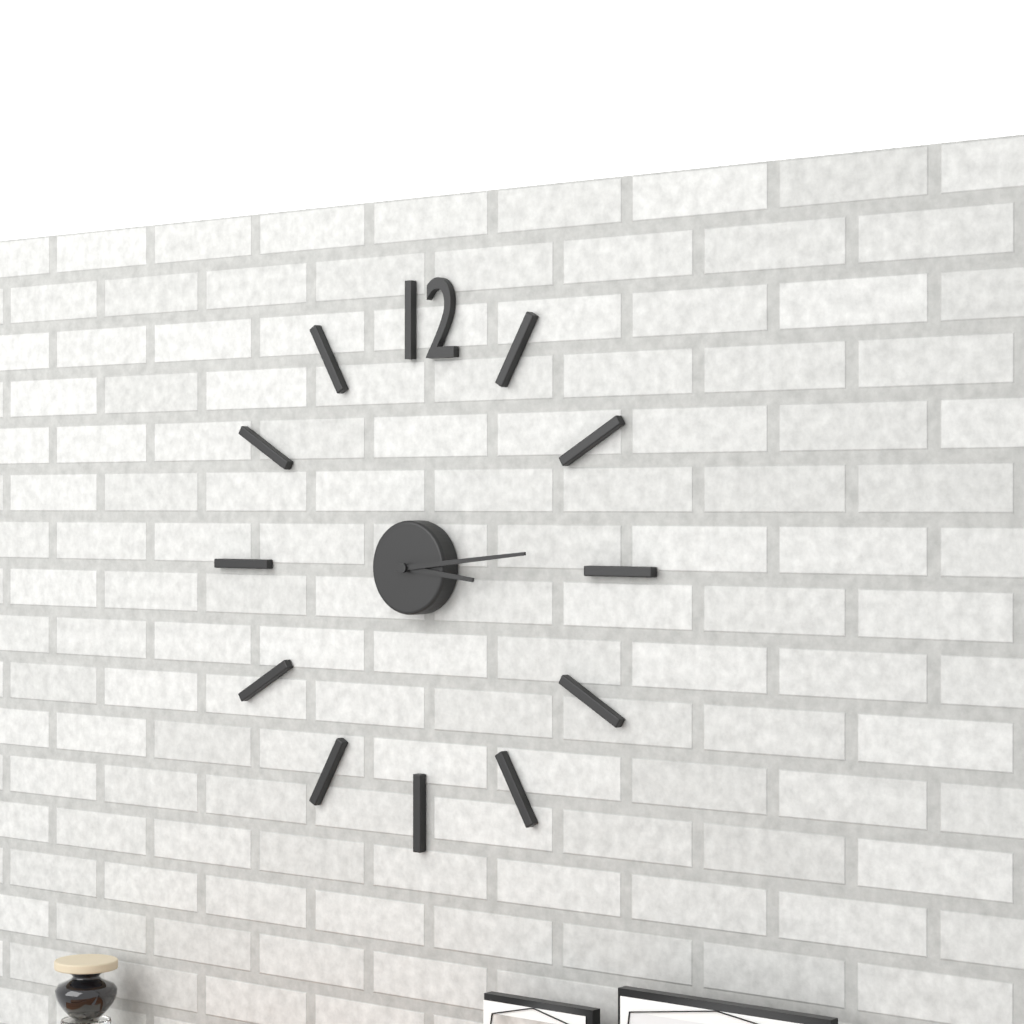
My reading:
3 h 14 min
